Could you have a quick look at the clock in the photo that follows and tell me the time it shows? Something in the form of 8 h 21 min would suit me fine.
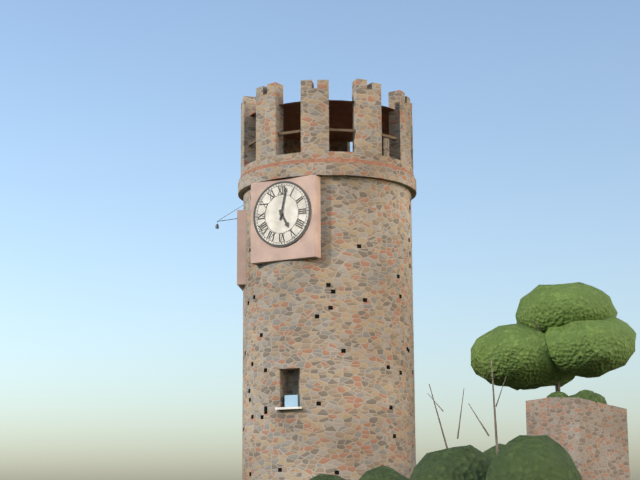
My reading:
5 h 02 min
